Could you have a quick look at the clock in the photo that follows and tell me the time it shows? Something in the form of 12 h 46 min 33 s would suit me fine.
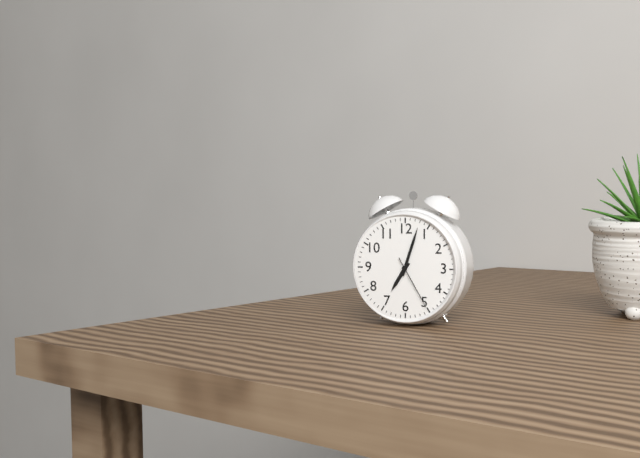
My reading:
7 h 03 min 25 s
